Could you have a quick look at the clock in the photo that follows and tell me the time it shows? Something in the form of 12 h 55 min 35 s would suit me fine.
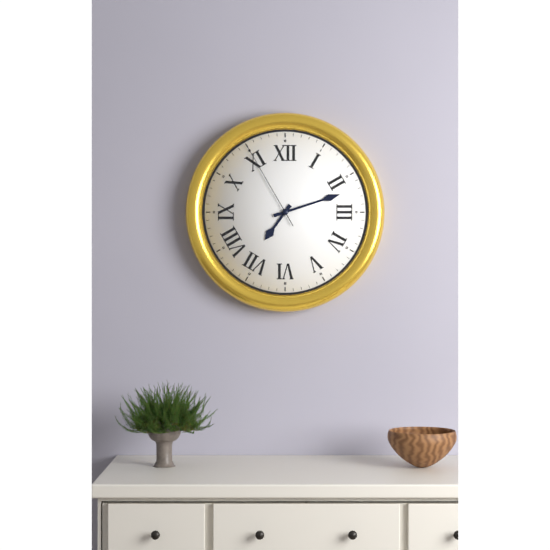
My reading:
7 h 12 min 55 s
